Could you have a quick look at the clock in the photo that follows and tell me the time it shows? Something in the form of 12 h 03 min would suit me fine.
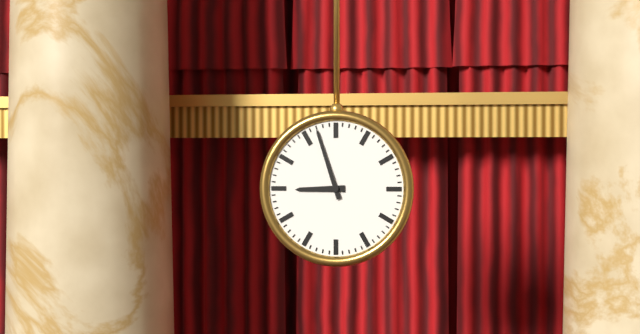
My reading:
8 h 57 min
